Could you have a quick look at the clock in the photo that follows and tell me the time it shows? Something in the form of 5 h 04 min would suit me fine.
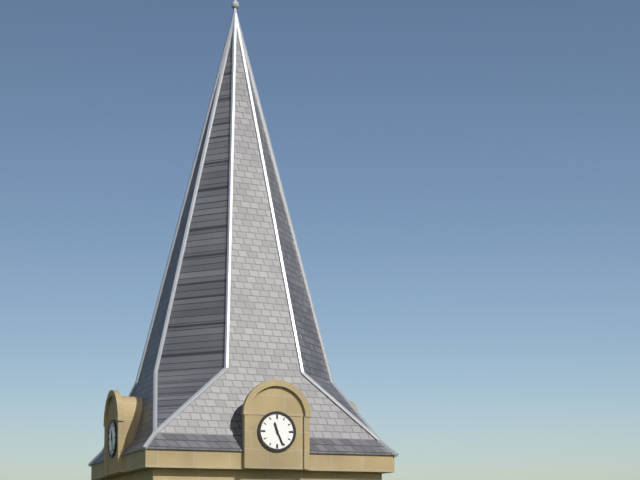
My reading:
11 h 26 min
